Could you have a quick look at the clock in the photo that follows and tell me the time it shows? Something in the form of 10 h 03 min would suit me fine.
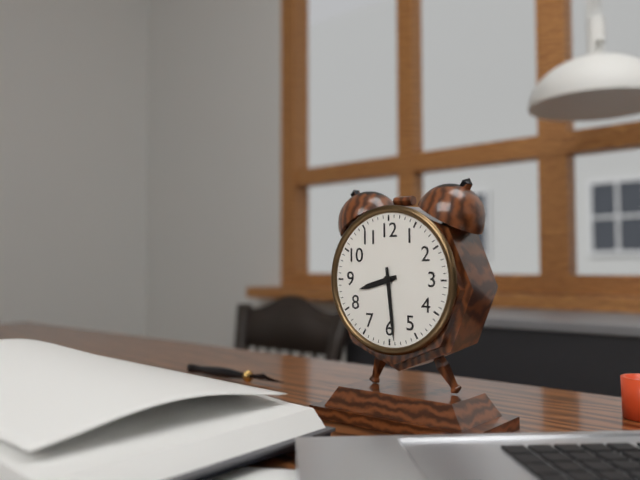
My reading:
8 h 29 min
